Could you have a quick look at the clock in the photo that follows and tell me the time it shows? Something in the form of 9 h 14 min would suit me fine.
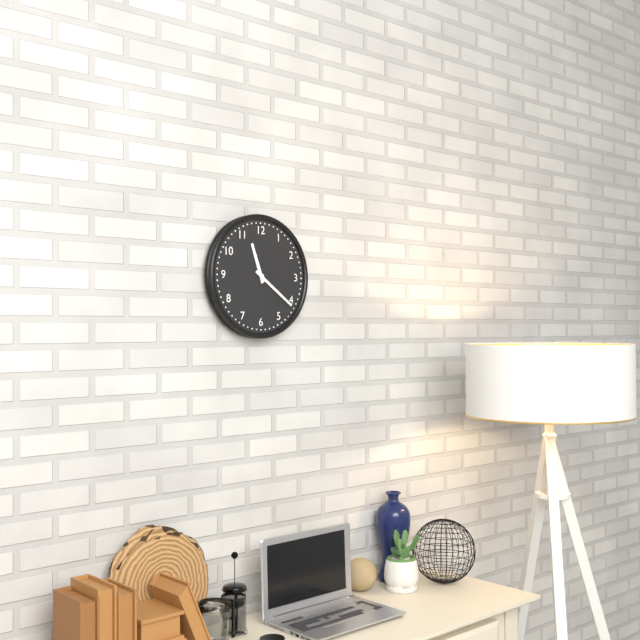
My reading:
11 h 21 min
